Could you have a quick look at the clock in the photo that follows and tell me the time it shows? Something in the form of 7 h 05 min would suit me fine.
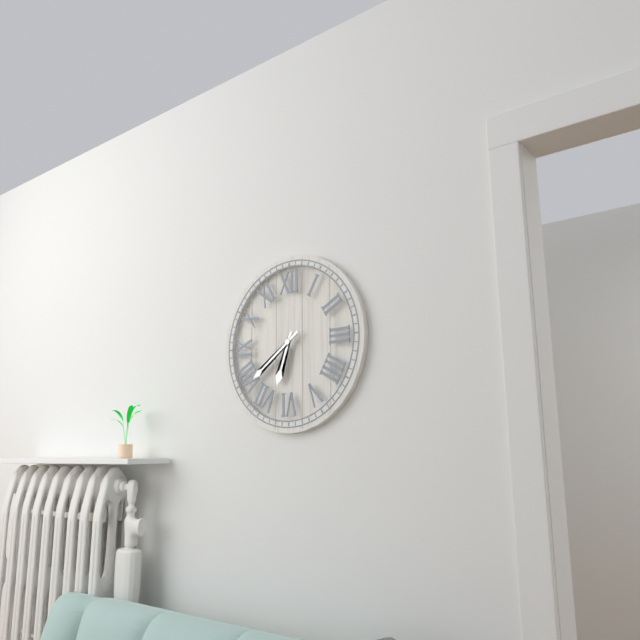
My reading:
6 h 39 min
